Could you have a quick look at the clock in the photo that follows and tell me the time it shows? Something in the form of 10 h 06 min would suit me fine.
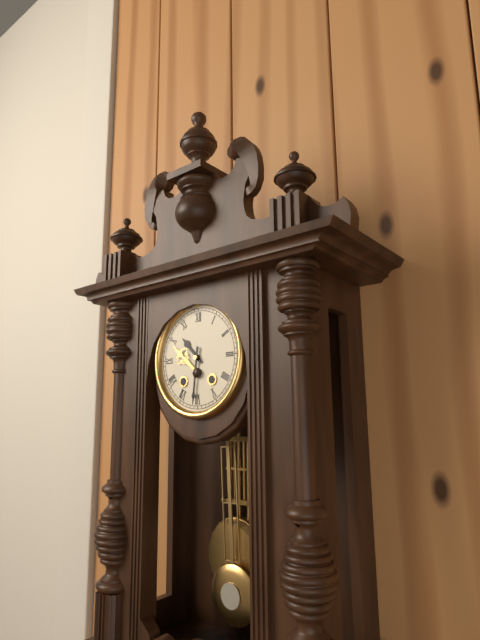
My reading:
10 h 31 min
